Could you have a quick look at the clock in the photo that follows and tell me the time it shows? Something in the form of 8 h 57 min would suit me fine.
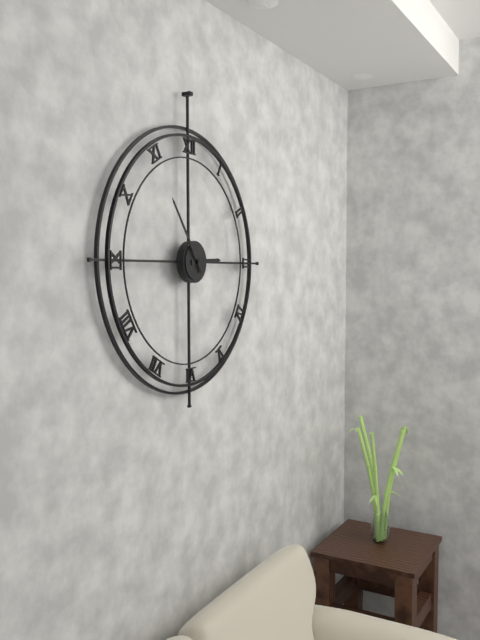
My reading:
2 h 54 min
